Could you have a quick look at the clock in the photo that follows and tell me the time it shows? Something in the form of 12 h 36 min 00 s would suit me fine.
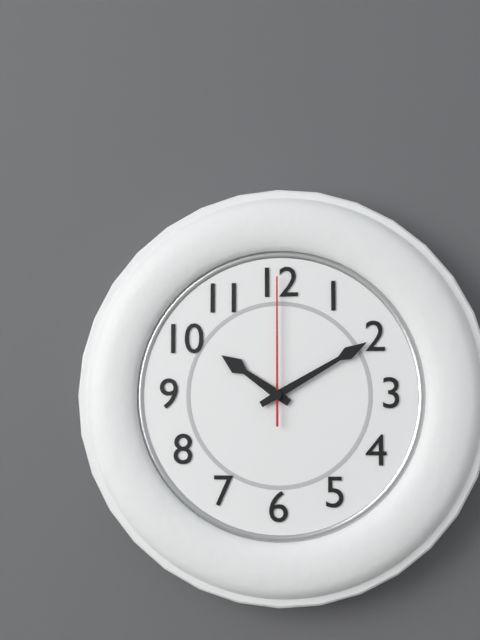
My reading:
10 h 10 min 00 s
